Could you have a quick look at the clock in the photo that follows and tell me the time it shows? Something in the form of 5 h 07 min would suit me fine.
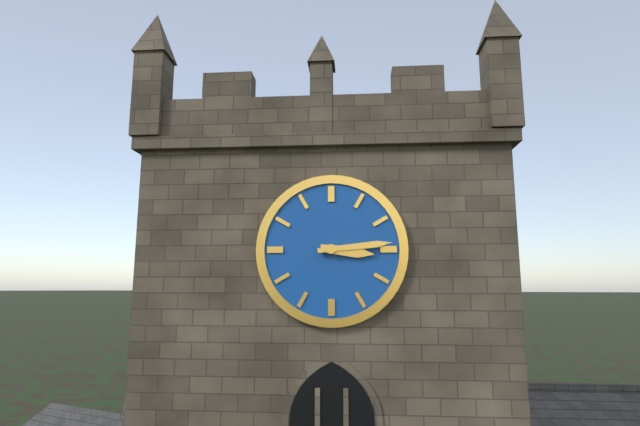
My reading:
3 h 14 min
